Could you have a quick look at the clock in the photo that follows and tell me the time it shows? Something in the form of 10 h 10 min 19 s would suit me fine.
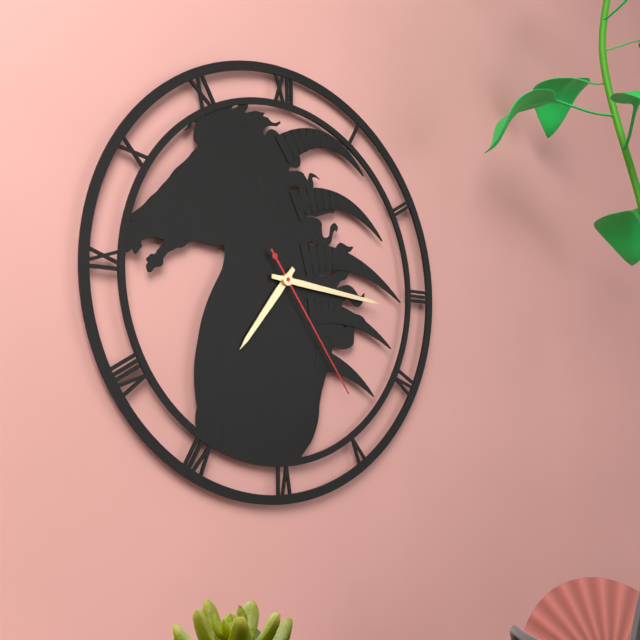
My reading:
7 h 16 min 24 s
